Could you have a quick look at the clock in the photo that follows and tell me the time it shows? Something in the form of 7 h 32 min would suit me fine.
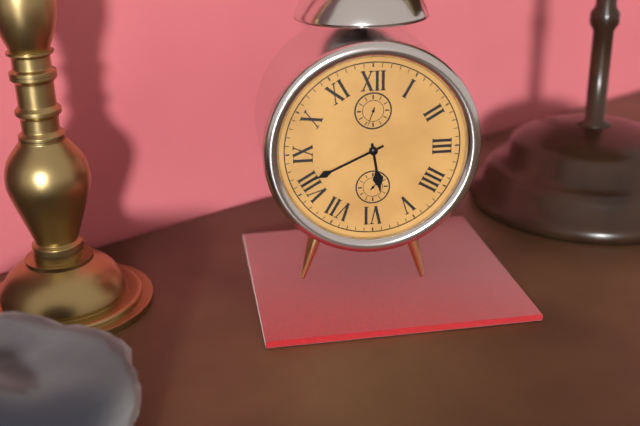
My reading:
5 h 41 min
